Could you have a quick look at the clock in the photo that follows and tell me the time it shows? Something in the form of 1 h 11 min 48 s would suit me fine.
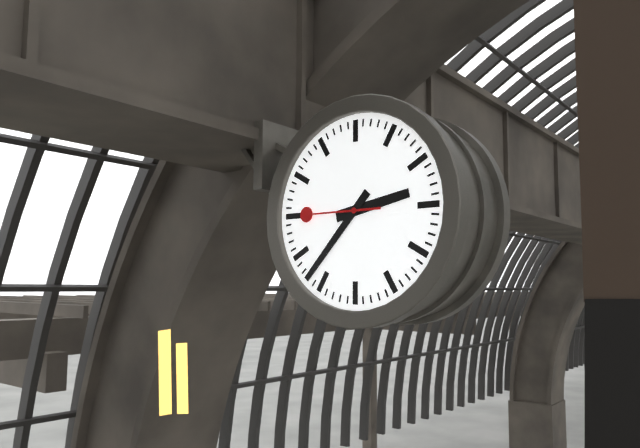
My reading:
2 h 37 min 45 s
